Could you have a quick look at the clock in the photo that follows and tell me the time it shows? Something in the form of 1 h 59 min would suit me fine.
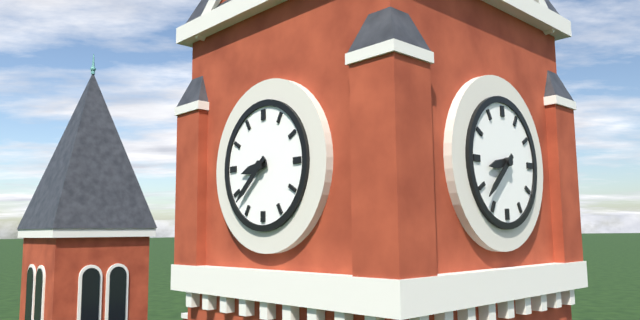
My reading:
8 h 38 min
